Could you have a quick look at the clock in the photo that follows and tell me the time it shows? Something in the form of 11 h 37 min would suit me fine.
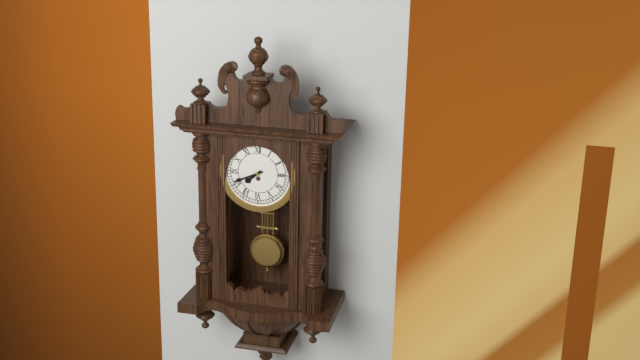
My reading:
7 h 41 min
